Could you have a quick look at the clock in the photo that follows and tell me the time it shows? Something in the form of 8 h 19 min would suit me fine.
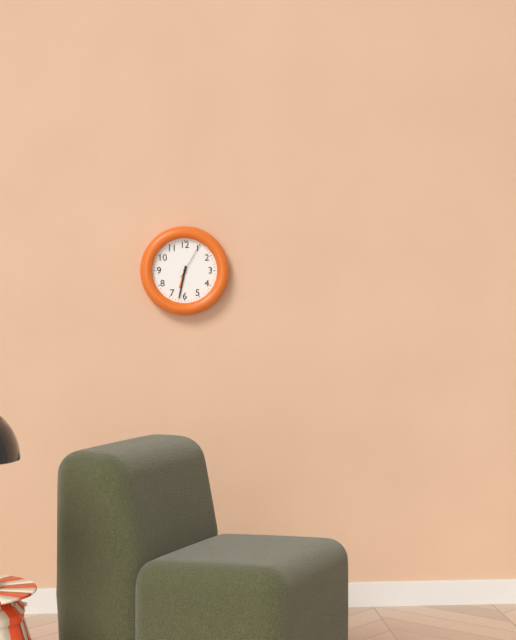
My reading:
6 h 32 min
